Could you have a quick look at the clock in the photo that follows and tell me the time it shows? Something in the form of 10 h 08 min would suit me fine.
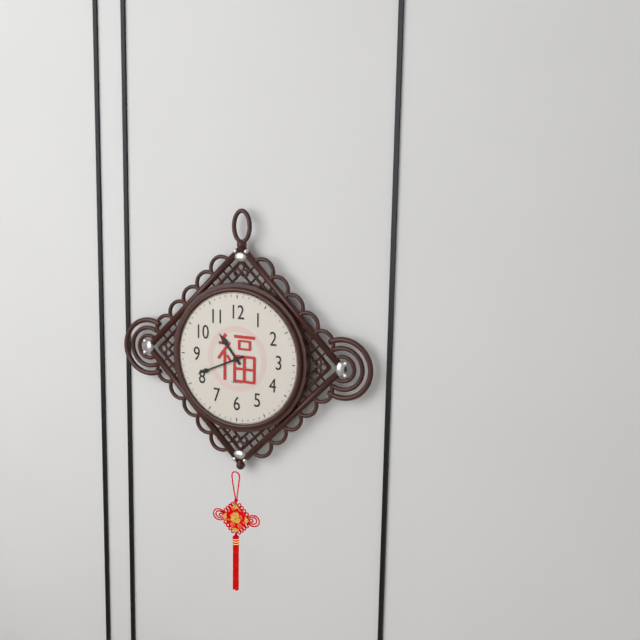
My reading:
10 h 41 min
